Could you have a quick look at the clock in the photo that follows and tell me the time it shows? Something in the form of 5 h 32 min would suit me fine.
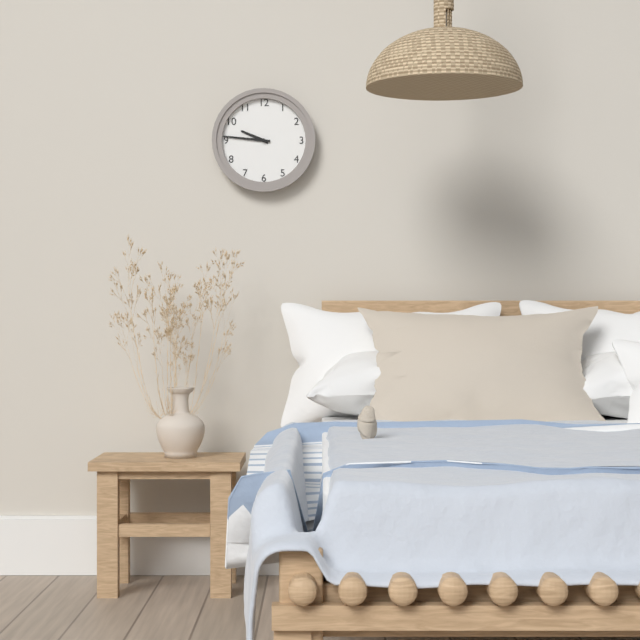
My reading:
9 h 46 min
